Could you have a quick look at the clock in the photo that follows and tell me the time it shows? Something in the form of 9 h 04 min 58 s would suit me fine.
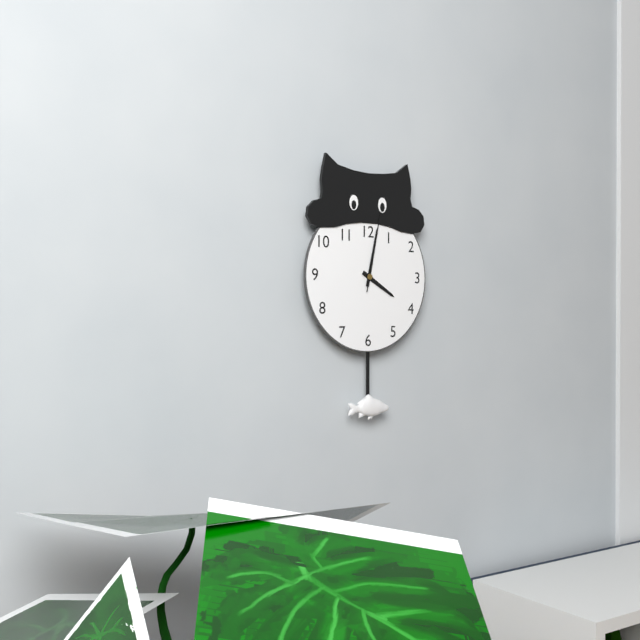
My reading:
4 h 02 min 02 s
